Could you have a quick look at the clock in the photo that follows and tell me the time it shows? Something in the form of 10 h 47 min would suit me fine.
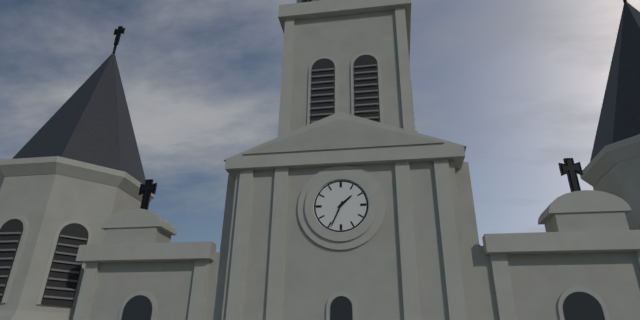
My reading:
1 h 34 min
